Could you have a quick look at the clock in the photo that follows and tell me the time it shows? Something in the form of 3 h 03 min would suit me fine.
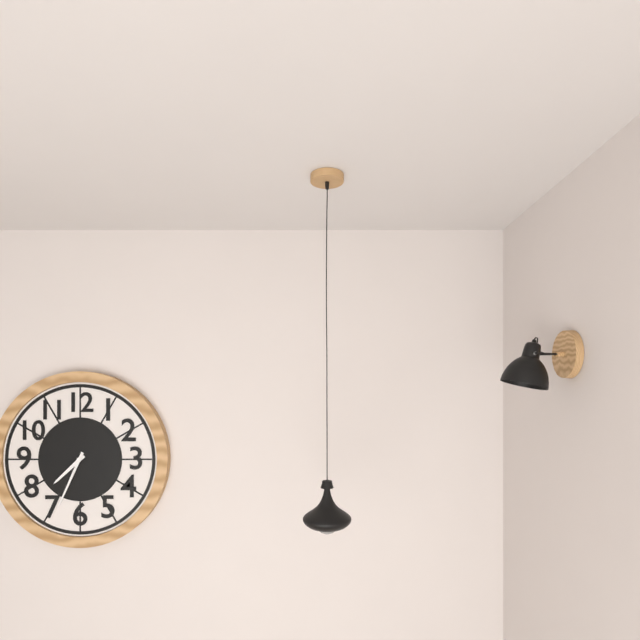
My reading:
7 h 34 min
